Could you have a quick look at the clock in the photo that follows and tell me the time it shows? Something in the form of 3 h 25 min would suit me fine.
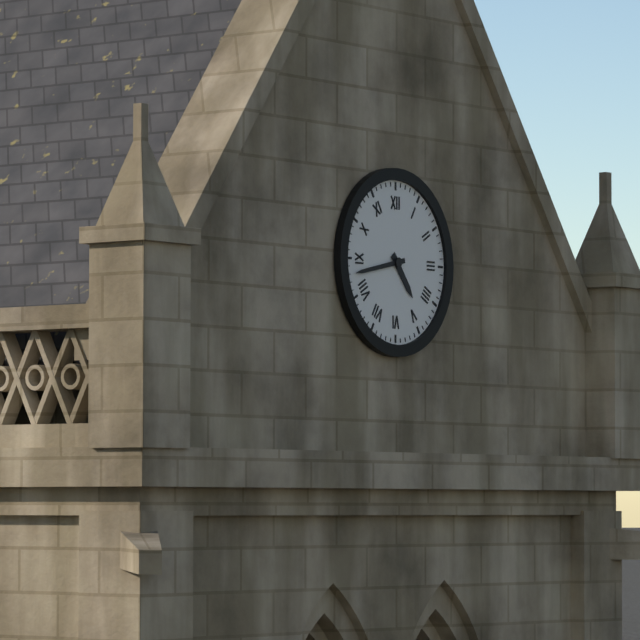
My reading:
4 h 43 min
